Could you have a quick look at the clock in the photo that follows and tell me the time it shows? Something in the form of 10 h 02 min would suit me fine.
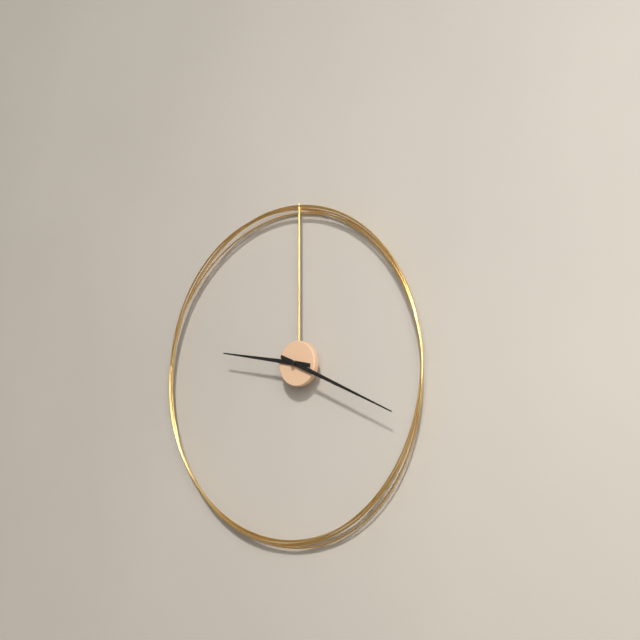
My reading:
9 h 19 min
